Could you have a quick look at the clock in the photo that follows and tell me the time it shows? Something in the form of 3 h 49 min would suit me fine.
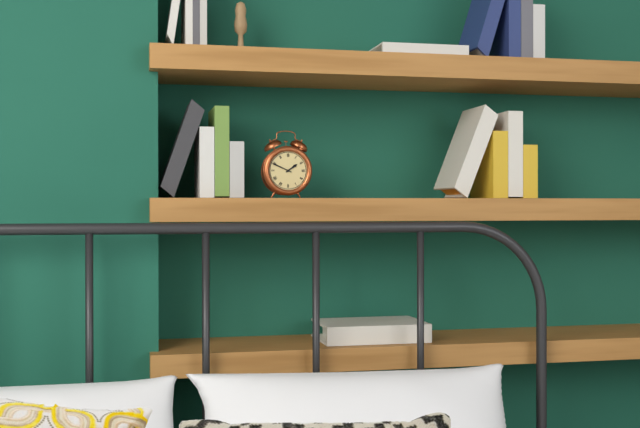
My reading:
1 h 49 min
